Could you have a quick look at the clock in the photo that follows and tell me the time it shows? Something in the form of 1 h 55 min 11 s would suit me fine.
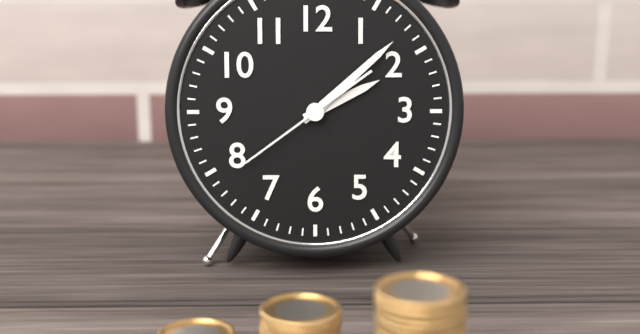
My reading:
2 h 08 min 39 s
